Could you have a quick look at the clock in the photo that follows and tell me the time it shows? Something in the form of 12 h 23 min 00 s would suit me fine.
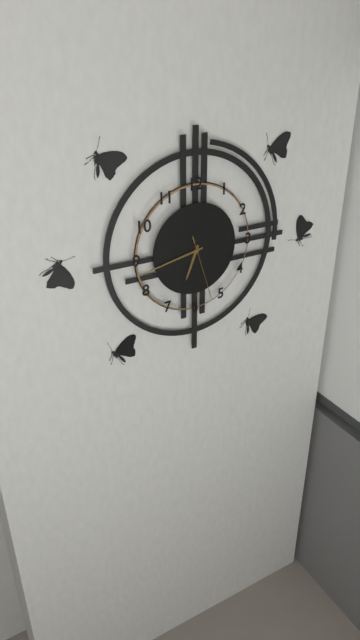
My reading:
6 h 43 min 27 s
